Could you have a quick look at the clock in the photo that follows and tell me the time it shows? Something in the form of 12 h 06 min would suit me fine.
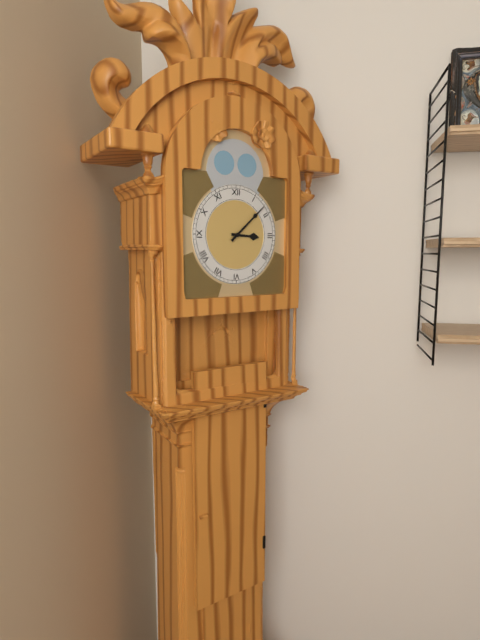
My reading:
3 h 08 min
